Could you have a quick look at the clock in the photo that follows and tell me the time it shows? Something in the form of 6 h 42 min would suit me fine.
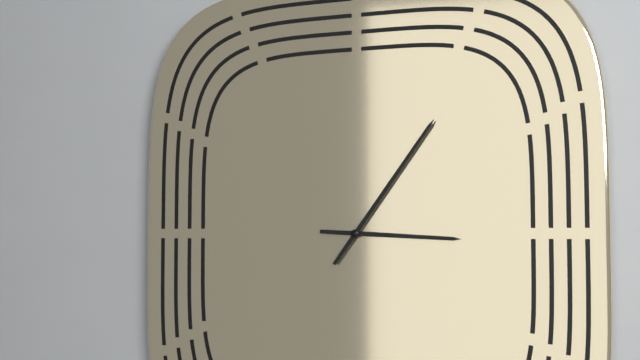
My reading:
3 h 06 min
